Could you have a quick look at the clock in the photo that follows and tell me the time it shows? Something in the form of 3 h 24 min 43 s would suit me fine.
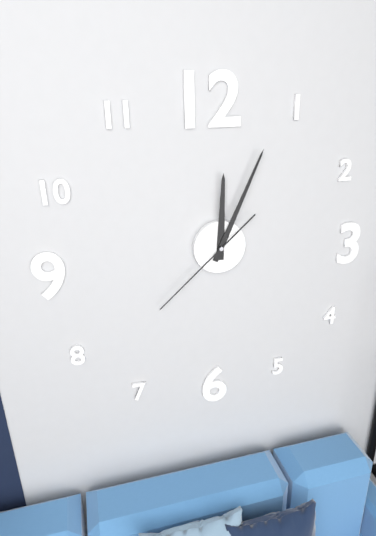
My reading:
12 h 04 min 38 s
